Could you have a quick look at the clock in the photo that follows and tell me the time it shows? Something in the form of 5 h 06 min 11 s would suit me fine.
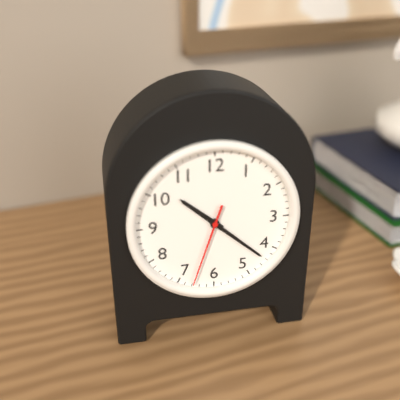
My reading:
10 h 22 min 33 s
